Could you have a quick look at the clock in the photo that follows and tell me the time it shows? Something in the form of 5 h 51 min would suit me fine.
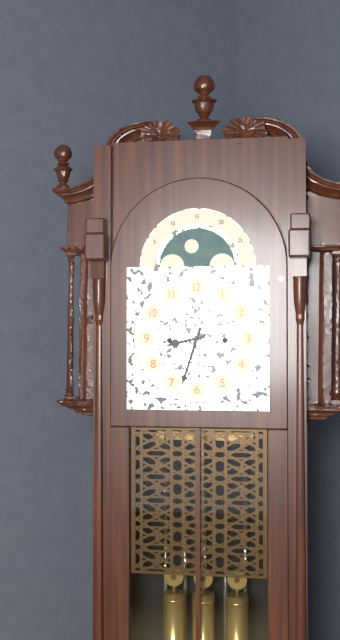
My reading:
8 h 33 min
